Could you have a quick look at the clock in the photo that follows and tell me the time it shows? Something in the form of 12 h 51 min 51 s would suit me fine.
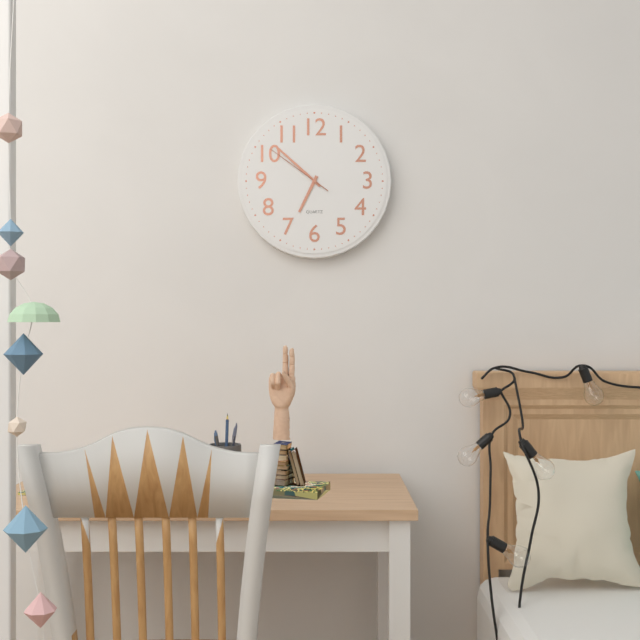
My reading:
6 h 52 min 51 s
